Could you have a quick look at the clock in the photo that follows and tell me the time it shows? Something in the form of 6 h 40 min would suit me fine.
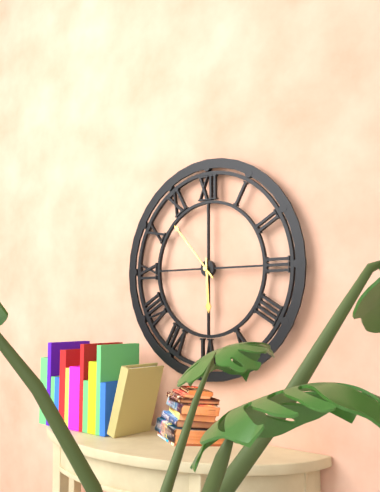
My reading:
5 h 53 min
